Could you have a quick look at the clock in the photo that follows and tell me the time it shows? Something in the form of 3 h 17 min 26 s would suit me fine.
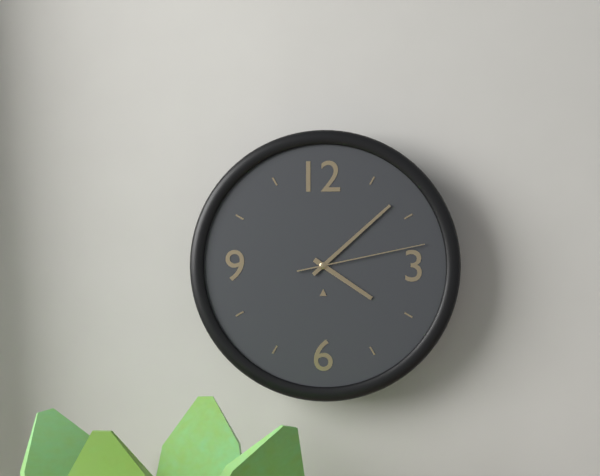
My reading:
4 h 08 min 13 s
